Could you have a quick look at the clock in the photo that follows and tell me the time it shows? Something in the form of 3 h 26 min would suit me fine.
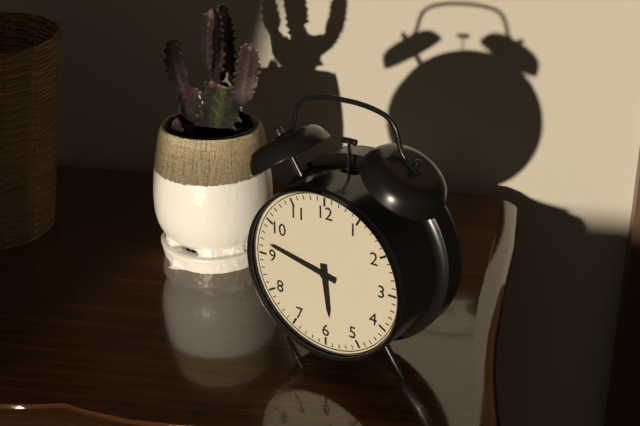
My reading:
5 h 47 min
